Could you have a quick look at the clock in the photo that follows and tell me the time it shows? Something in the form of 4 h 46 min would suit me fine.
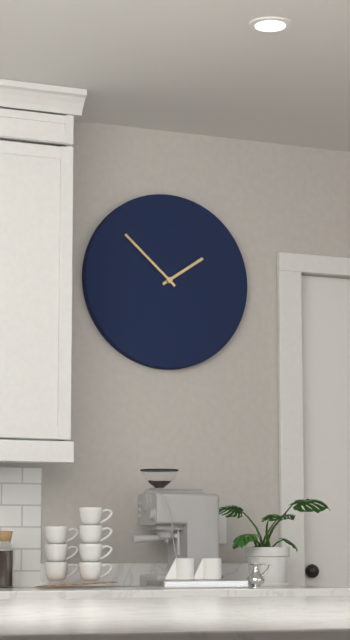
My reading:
1 h 52 min
